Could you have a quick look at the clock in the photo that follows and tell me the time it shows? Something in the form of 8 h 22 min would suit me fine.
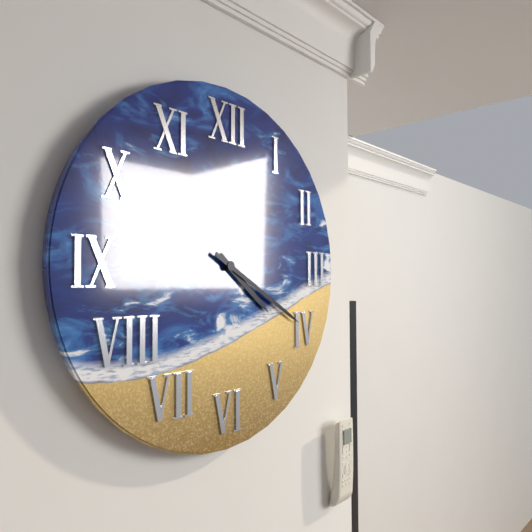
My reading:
4 h 20 min
